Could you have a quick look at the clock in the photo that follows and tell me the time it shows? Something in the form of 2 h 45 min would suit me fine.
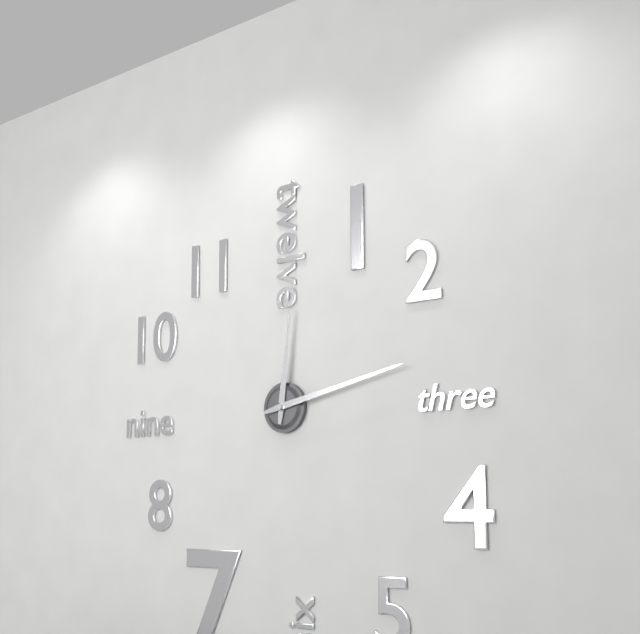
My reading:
12 h 13 min
